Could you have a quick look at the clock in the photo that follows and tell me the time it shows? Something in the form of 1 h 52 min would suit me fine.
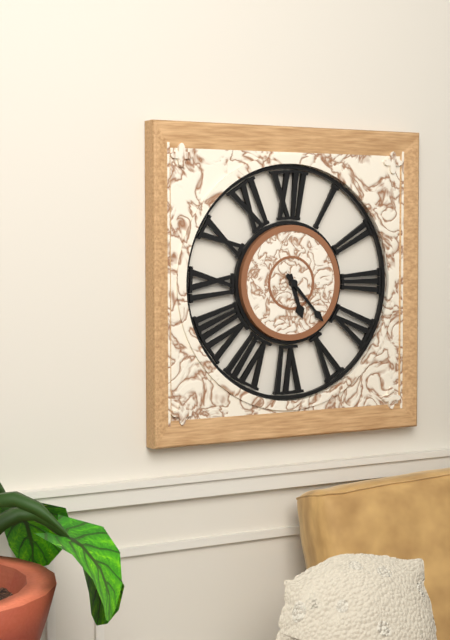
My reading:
5 h 23 min
